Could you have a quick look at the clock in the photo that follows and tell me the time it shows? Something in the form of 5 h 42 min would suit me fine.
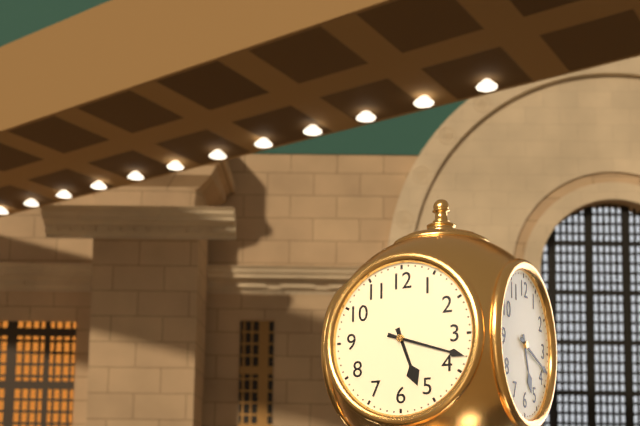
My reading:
5 h 18 min
